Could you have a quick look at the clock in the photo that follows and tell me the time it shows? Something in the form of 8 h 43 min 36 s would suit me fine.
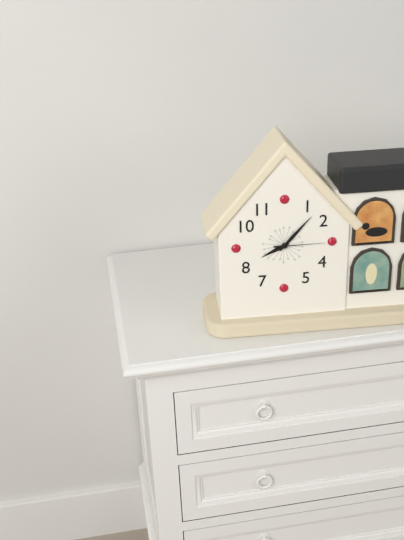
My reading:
8 h 07 min 15 s
